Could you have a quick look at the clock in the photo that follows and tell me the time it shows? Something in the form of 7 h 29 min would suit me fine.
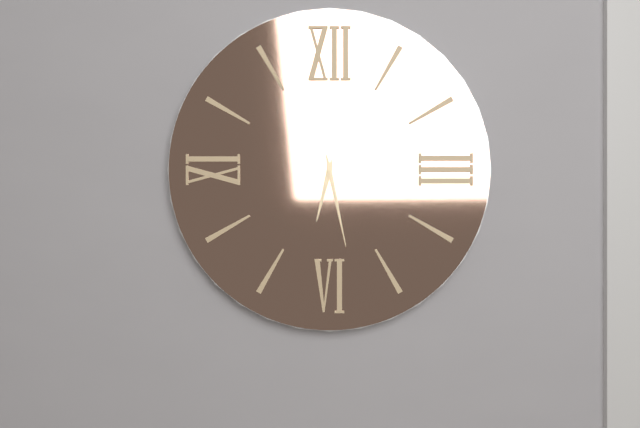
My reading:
6 h 28 min
